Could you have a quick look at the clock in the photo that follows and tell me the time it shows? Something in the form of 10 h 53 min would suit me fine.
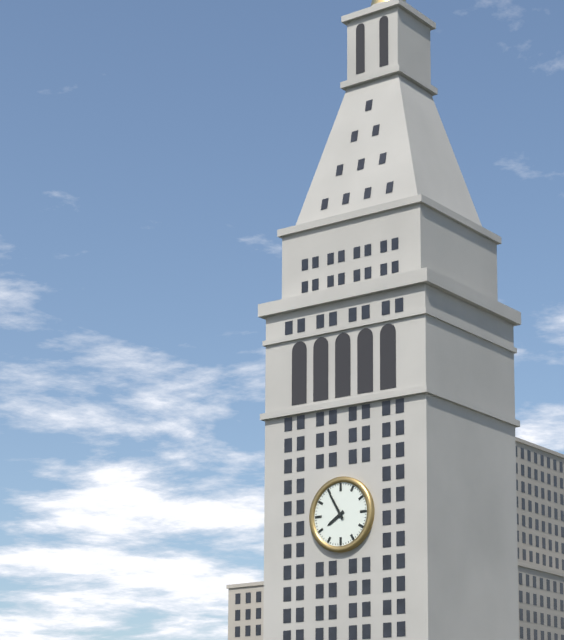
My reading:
7 h 55 min
